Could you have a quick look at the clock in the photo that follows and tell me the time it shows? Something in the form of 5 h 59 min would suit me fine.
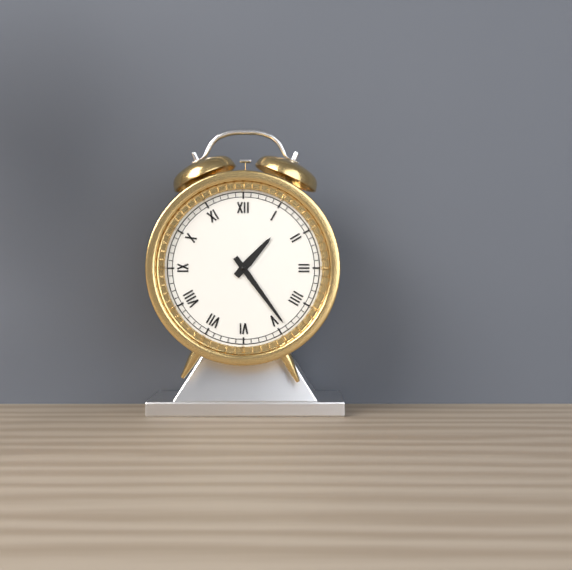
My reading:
1 h 24 min
